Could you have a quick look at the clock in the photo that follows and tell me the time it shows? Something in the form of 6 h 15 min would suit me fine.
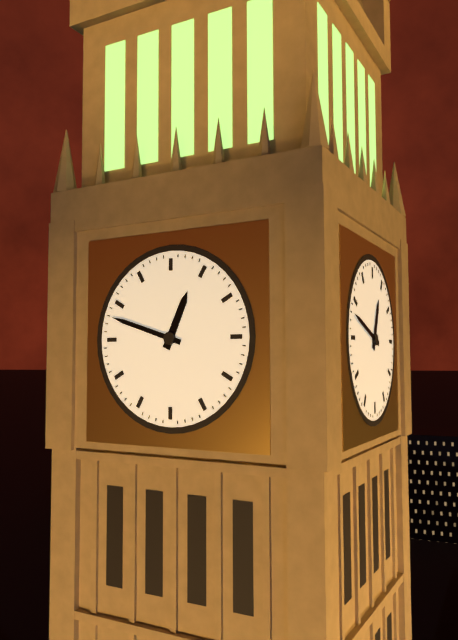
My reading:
12 h 48 min
